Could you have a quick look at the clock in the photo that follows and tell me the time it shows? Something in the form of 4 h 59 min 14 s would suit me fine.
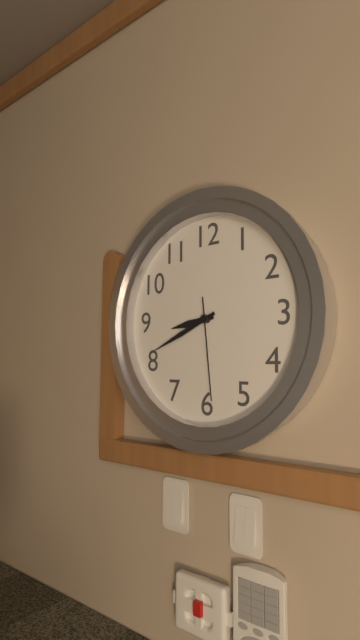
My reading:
8 h 41 min 29 s
